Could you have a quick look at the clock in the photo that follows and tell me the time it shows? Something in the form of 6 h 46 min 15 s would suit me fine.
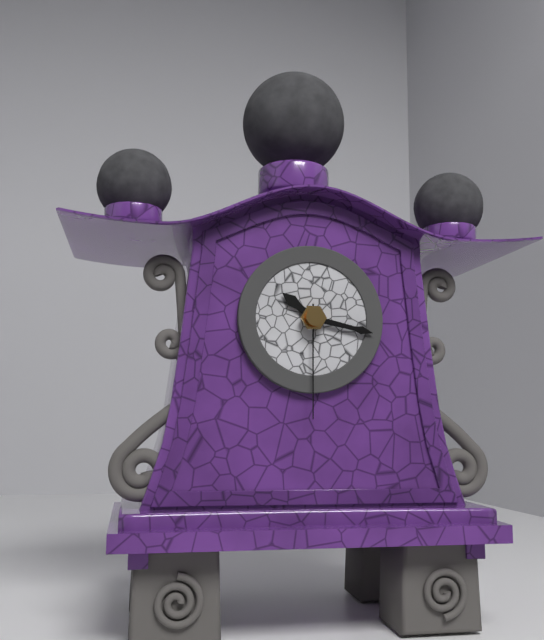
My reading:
10 h 17 min 30 s
